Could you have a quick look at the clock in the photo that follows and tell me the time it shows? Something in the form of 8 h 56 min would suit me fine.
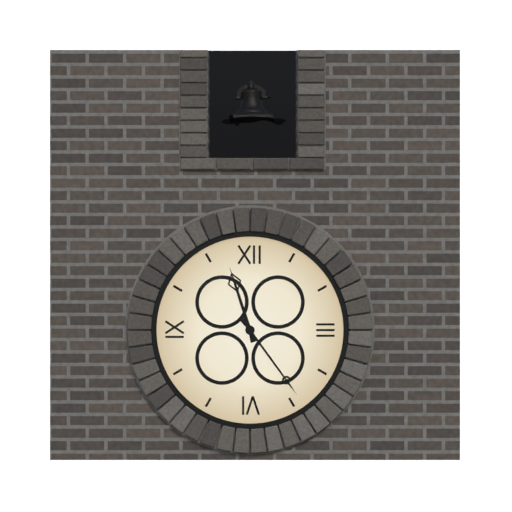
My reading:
11 h 24 min
